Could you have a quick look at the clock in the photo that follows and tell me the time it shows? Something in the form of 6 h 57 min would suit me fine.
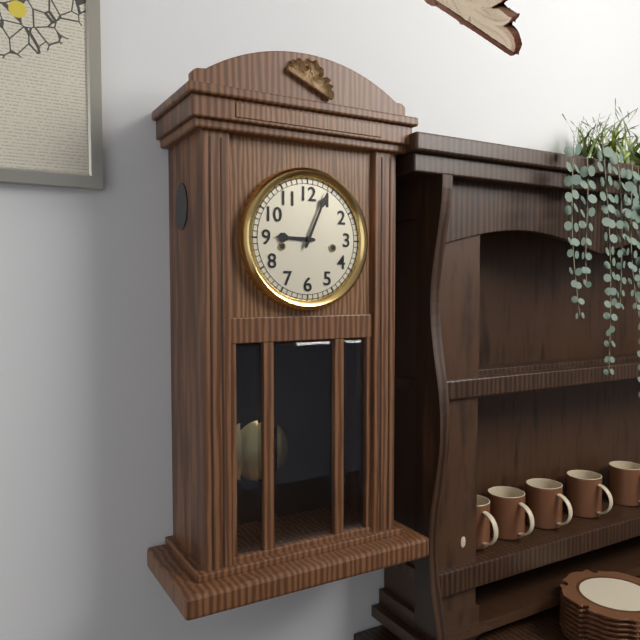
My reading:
9 h 04 min
